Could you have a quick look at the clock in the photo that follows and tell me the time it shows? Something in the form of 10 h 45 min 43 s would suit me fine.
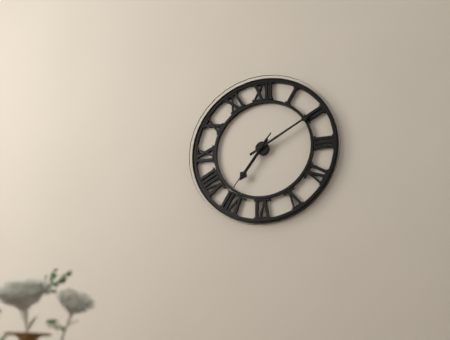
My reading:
7 h 10 min 36 s
